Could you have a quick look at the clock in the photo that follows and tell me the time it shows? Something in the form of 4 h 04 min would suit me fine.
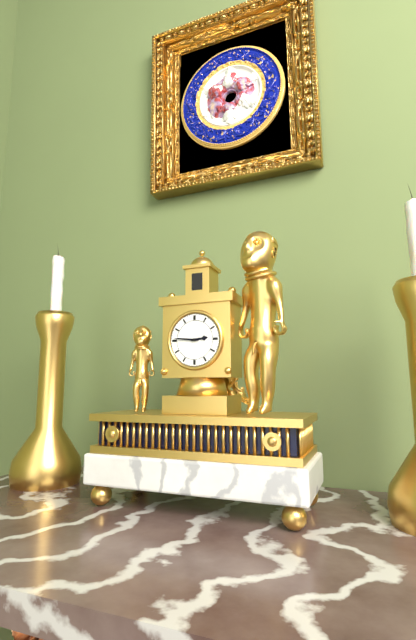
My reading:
2 h 46 min
